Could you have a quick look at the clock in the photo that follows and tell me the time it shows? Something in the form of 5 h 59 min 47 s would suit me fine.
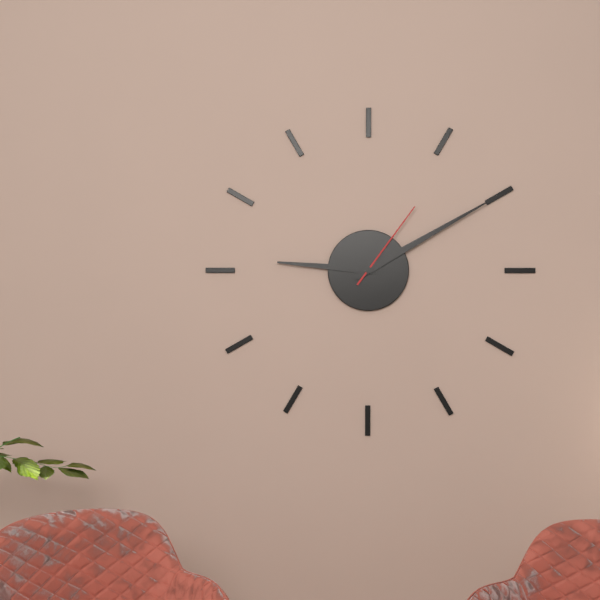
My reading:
9 h 10 min 06 s
